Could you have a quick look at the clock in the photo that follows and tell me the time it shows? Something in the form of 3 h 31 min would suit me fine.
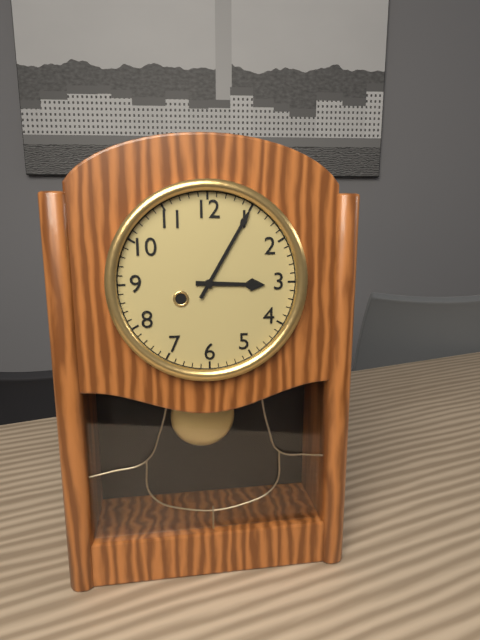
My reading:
3 h 05 min
